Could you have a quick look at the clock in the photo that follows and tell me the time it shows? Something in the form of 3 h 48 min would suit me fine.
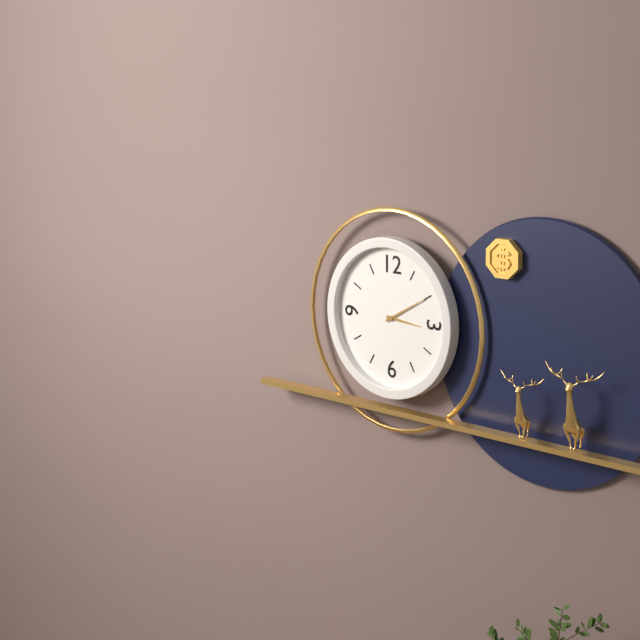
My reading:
3 h 10 min
